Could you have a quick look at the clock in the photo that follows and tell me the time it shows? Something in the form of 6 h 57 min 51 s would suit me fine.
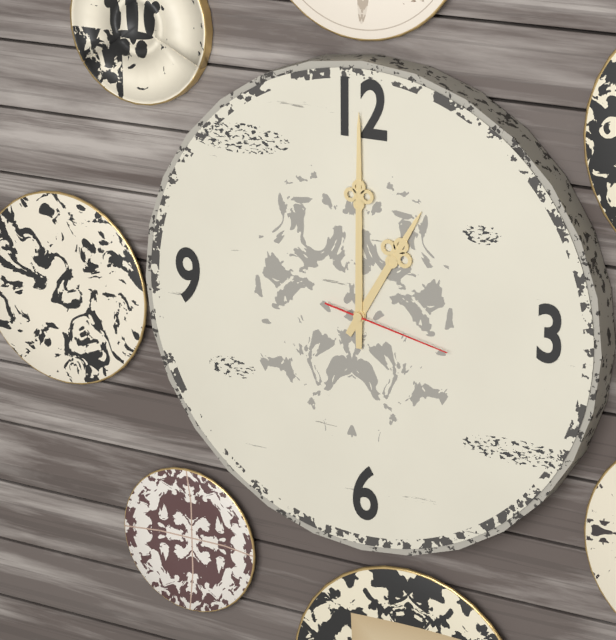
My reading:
1 h 00 min 17 s
